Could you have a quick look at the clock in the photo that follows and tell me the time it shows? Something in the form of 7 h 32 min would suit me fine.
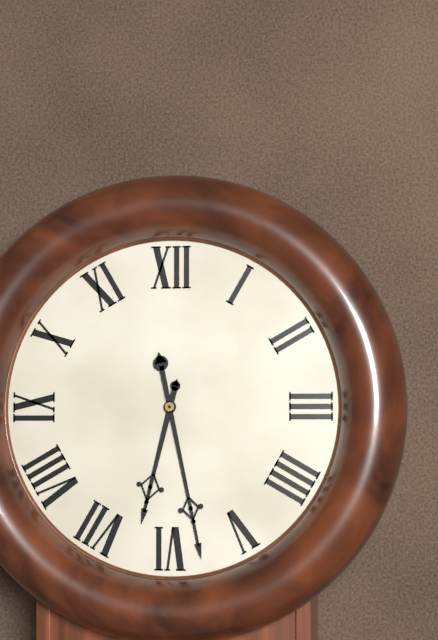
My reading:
6 h 28 min
